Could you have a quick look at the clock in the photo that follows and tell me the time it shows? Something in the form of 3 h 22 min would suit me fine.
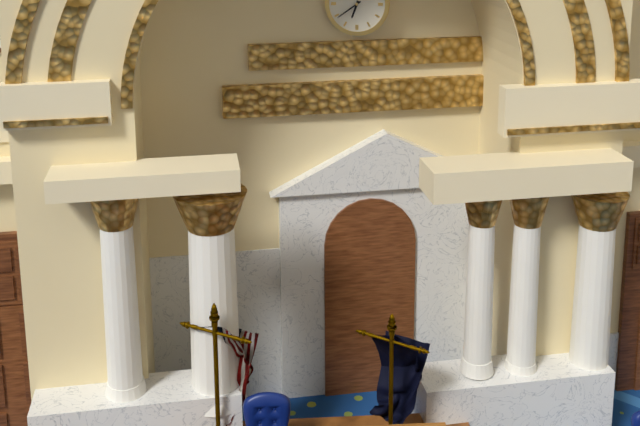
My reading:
6 h 39 min
